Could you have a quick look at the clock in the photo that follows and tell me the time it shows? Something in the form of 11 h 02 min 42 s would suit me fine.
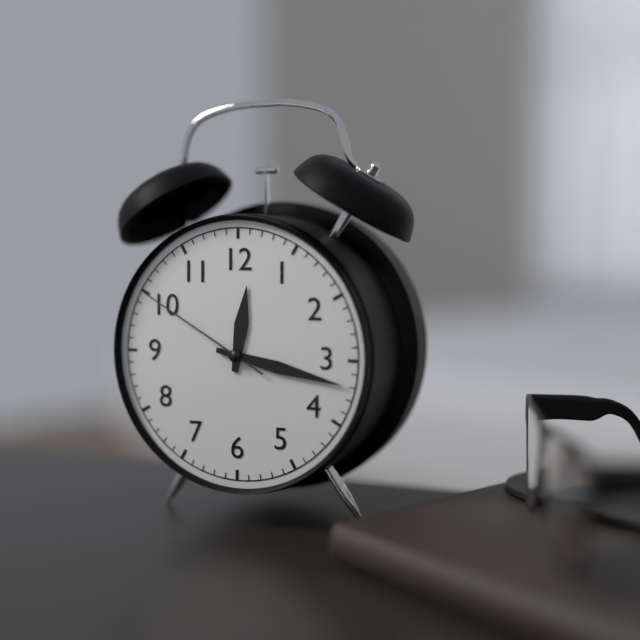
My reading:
12 h 17 min 50 s
